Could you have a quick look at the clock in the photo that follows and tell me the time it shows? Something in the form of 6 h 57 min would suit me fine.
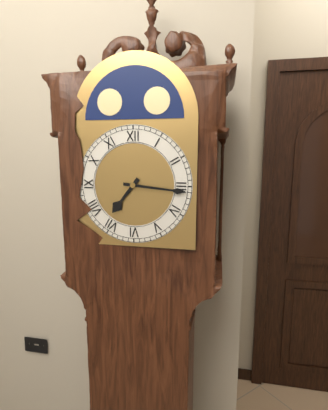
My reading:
7 h 16 min
